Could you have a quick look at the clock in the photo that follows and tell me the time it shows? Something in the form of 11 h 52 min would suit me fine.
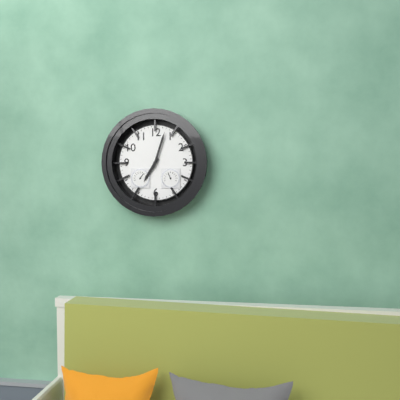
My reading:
7 h 03 min
